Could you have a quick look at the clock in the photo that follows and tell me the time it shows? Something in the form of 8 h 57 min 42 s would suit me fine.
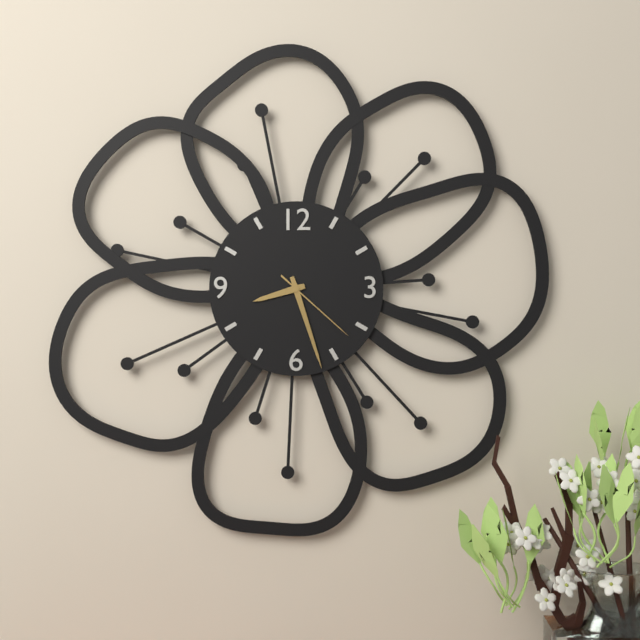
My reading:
8 h 27 min 22 s
